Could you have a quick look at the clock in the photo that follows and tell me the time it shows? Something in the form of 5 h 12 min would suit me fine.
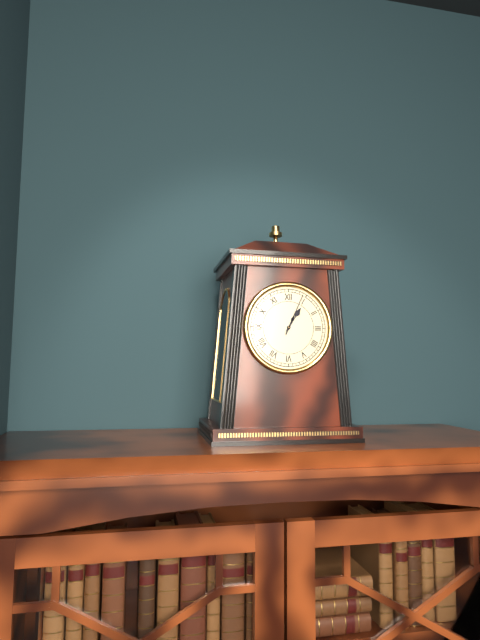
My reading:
1 h 04 min
